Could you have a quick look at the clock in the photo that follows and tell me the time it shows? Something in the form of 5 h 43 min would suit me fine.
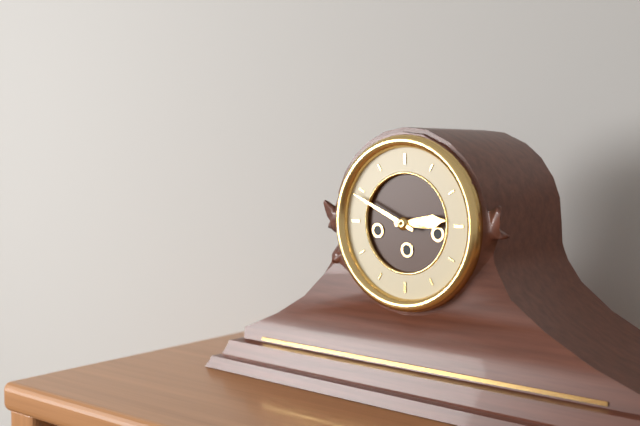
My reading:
2 h 49 min
